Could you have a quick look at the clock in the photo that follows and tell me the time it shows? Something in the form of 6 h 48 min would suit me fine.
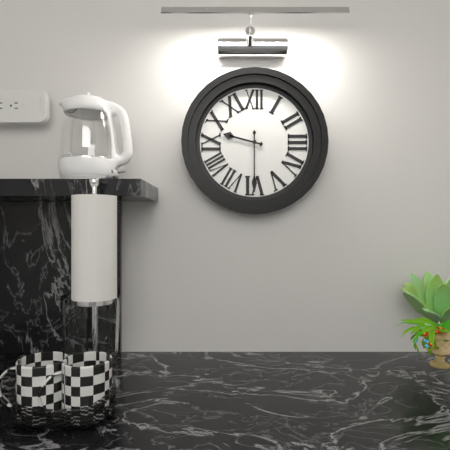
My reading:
9 h 30 min
